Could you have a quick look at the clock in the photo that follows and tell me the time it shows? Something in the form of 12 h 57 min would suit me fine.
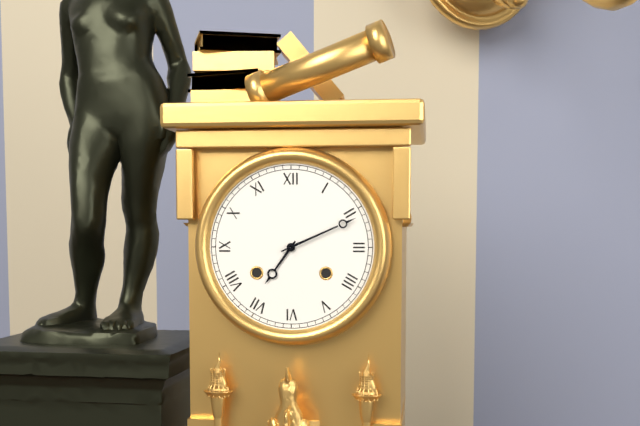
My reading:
7 h 11 min
